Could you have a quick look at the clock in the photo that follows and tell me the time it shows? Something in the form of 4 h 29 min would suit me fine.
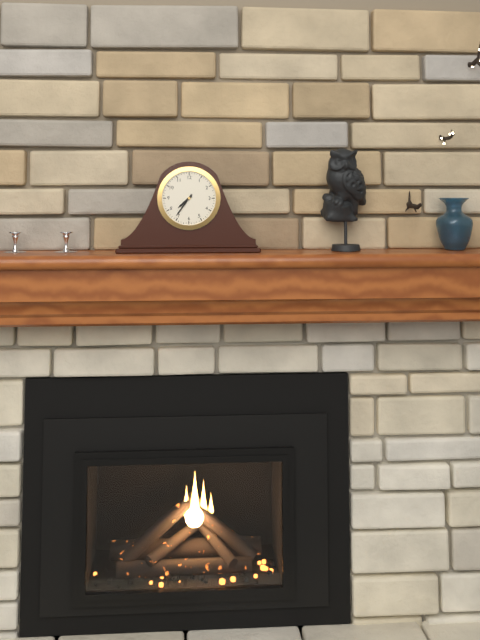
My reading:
7 h 36 min
